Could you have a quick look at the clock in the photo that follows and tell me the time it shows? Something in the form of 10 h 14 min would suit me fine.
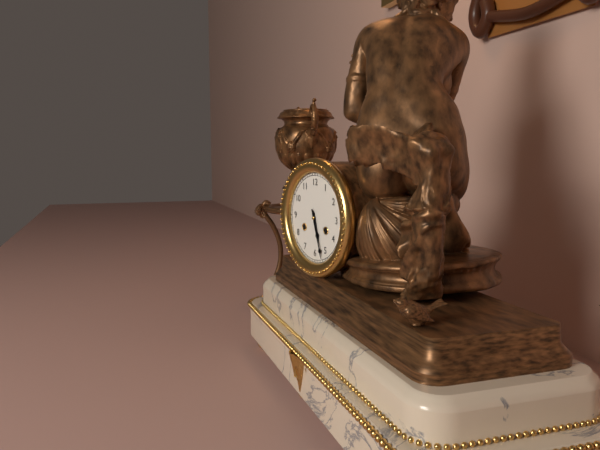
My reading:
5 h 27 min
